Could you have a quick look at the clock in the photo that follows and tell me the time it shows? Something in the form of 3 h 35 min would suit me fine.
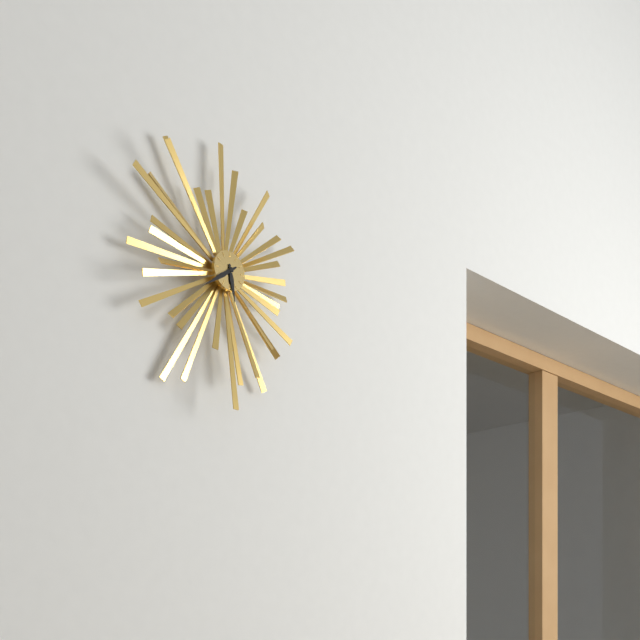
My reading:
5 h 39 min
